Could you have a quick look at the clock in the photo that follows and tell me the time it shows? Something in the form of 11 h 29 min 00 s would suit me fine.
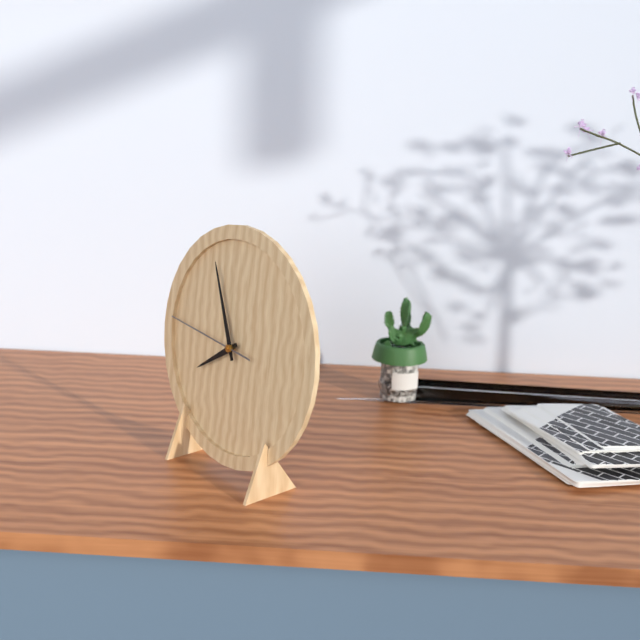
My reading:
7 h 56 min 46 s
